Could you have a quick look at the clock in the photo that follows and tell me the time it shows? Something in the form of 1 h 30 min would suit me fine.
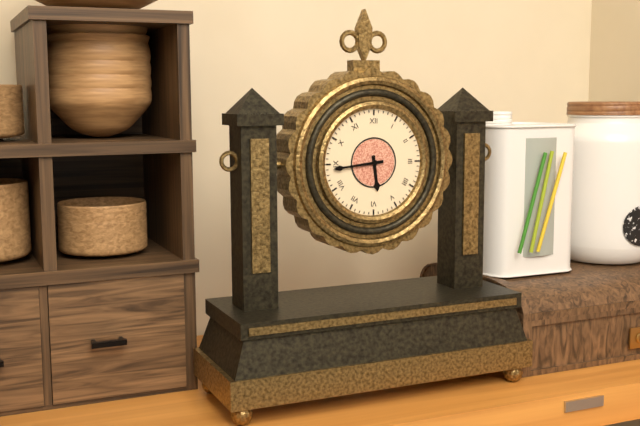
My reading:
5 h 44 min
